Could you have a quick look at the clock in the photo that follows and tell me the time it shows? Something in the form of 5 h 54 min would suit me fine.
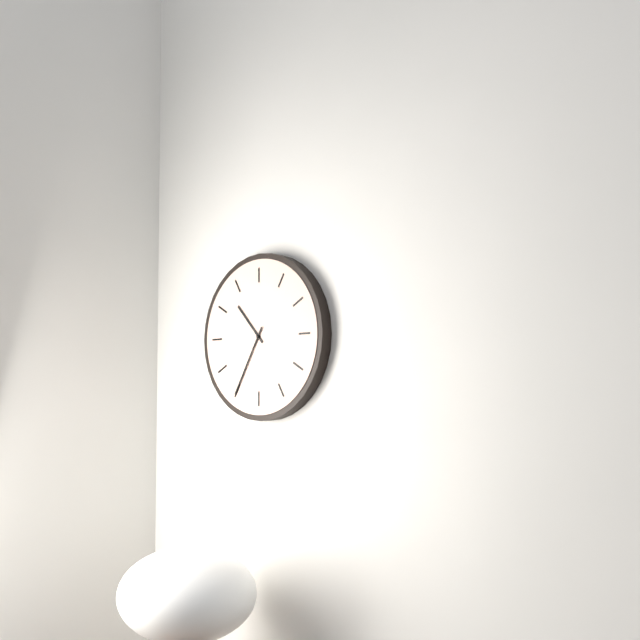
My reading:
10 h 35 min
